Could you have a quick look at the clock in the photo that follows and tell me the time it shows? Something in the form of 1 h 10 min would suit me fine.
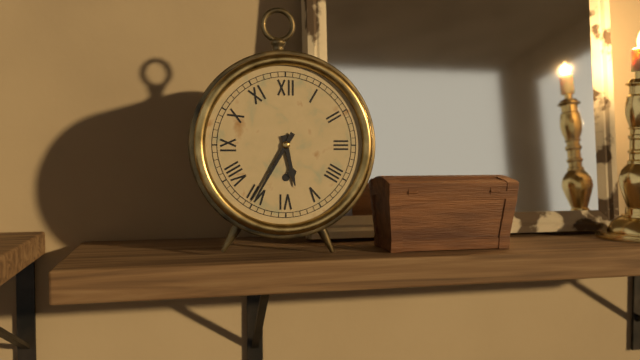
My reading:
5 h 35 min
